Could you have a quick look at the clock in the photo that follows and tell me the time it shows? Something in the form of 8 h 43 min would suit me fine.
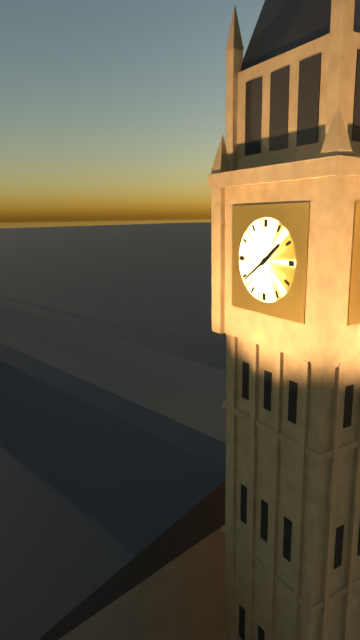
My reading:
1 h 39 min
